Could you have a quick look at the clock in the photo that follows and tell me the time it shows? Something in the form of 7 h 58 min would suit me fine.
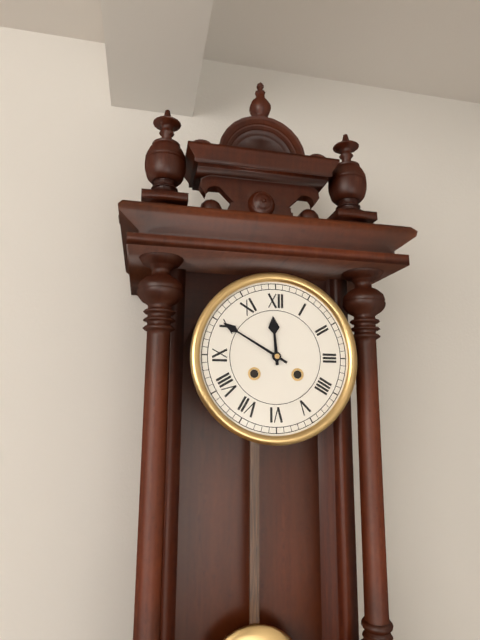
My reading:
11 h 50 min
